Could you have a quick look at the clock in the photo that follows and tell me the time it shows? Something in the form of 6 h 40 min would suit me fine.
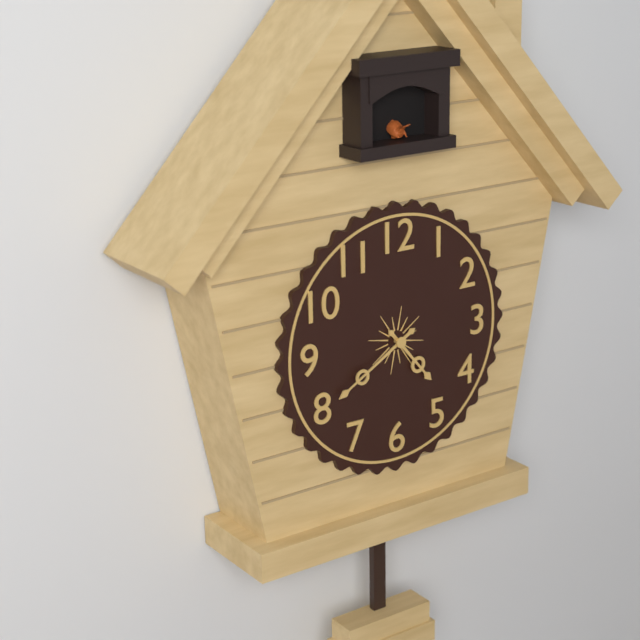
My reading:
4 h 40 min
